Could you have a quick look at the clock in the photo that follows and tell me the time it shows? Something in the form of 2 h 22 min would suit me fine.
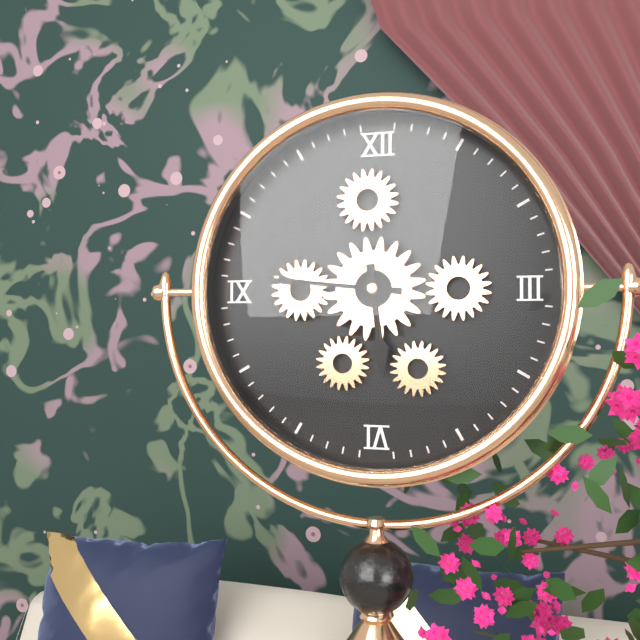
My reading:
5 h 46 min
